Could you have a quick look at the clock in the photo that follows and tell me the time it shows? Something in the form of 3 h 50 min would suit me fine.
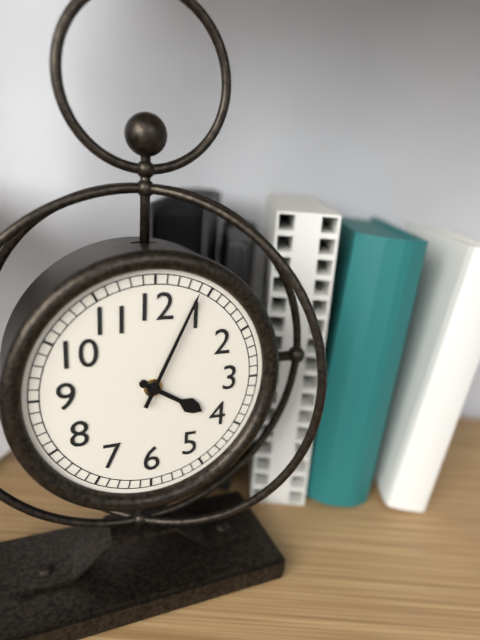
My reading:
4 h 04 min
